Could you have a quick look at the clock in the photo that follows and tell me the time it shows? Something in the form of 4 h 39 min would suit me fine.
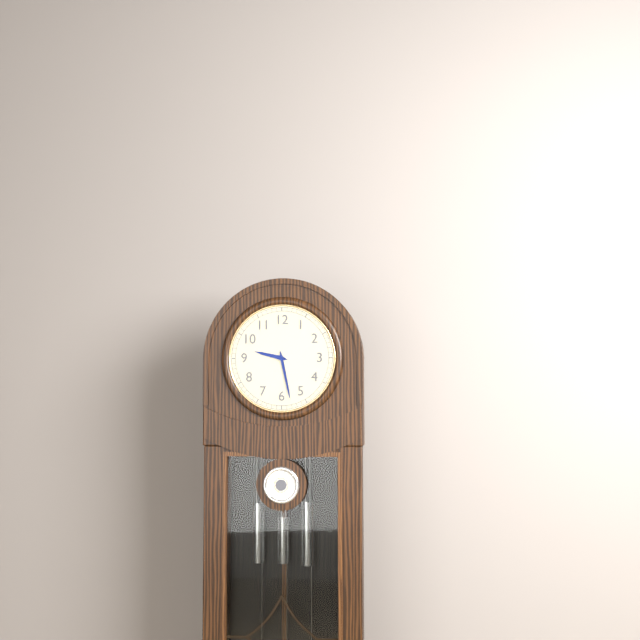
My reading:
9 h 28 min
